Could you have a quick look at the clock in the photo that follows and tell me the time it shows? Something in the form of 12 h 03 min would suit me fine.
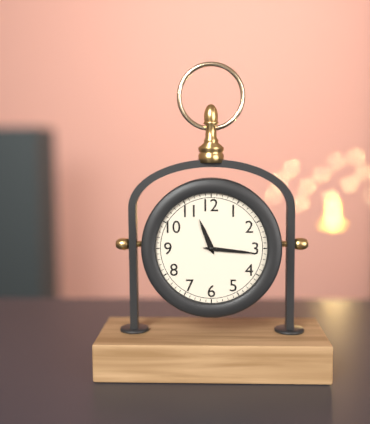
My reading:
11 h 16 min
